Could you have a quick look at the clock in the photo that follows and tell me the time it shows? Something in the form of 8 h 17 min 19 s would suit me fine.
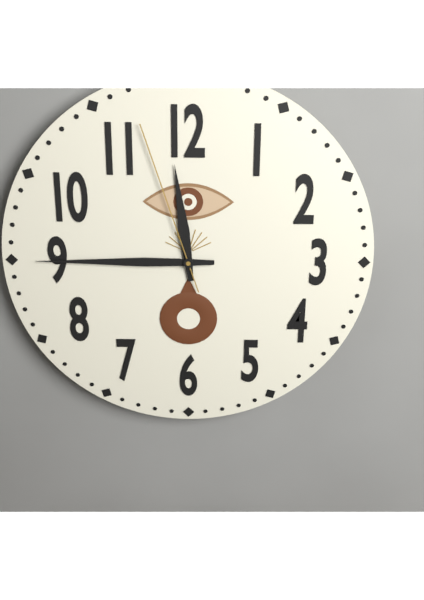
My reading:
11 h 45 min 57 s
